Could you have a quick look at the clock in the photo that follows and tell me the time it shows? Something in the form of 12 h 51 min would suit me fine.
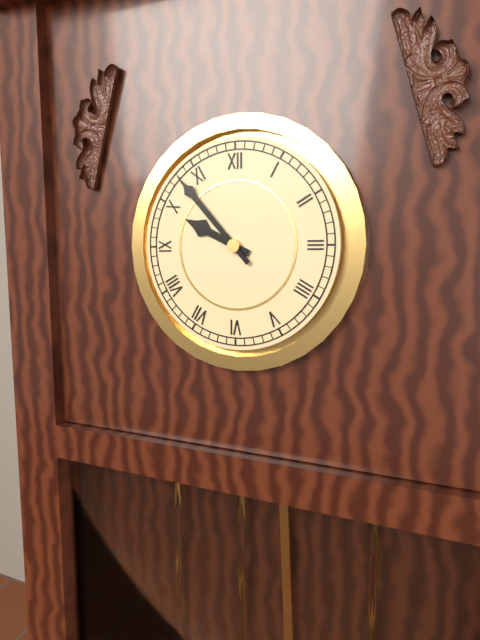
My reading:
9 h 53 min
